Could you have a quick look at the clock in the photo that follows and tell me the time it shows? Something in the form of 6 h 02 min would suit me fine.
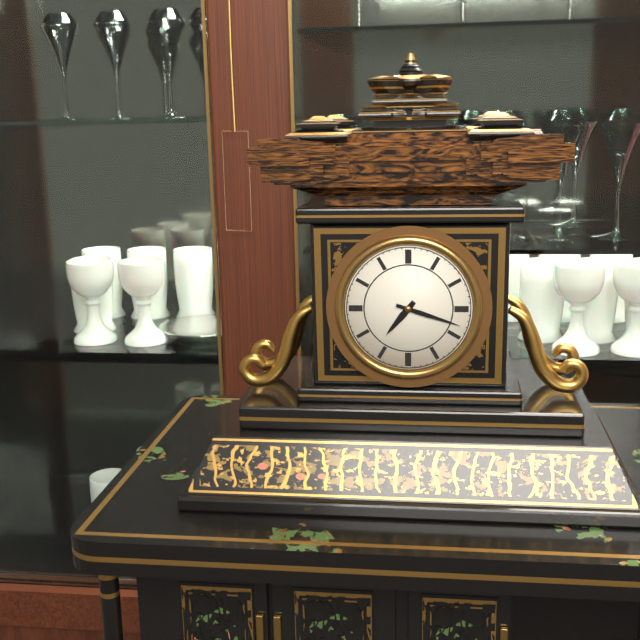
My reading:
7 h 18 min
